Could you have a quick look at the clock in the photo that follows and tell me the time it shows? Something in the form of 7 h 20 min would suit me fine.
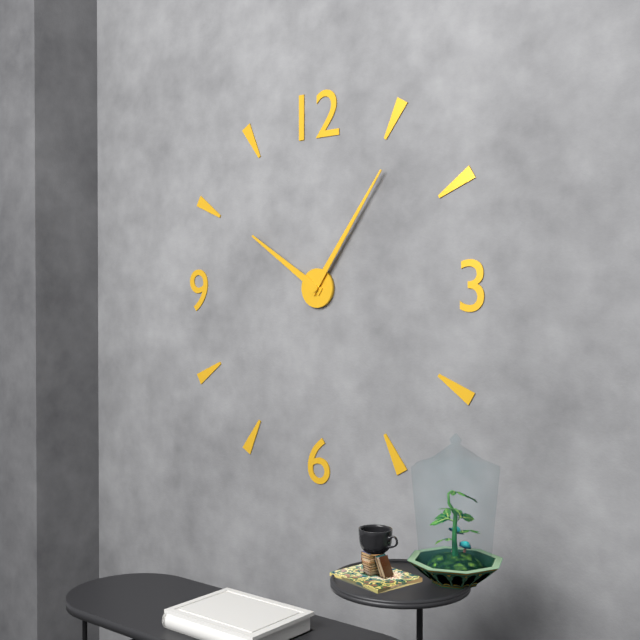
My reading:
10 h 06 min
